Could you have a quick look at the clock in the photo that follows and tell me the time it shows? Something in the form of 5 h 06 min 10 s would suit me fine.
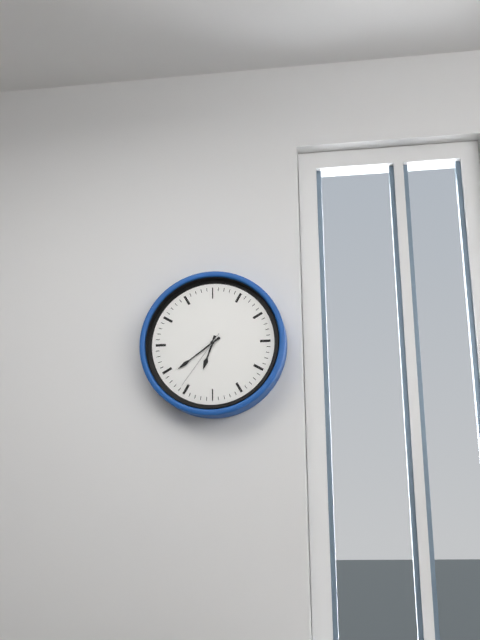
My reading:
6 h 39 min 36 s
